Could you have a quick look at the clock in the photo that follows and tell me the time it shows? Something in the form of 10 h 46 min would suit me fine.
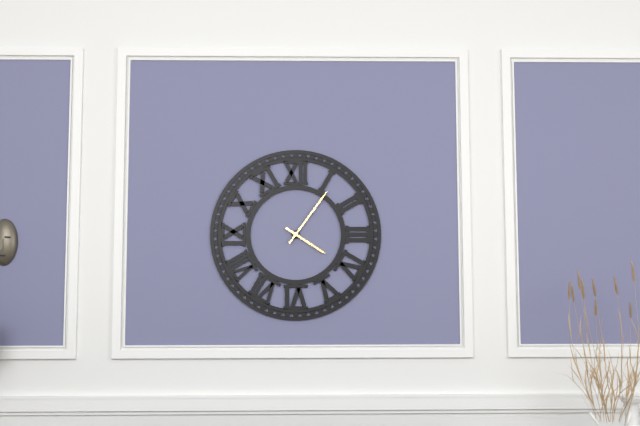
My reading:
4 h 06 min
